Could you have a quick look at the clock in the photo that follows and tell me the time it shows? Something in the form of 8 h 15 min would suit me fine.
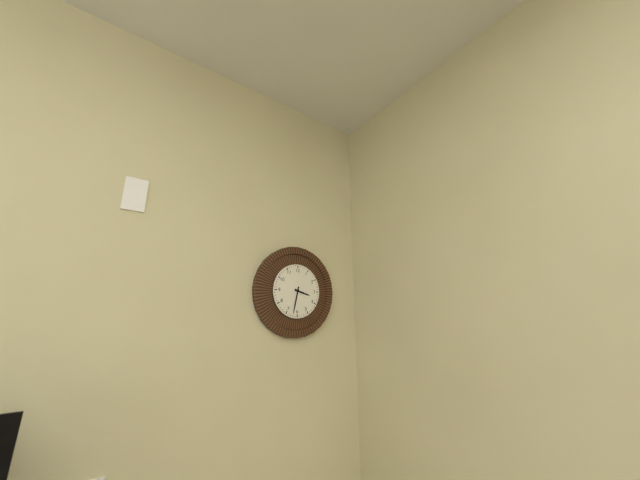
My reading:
3 h 32 min
